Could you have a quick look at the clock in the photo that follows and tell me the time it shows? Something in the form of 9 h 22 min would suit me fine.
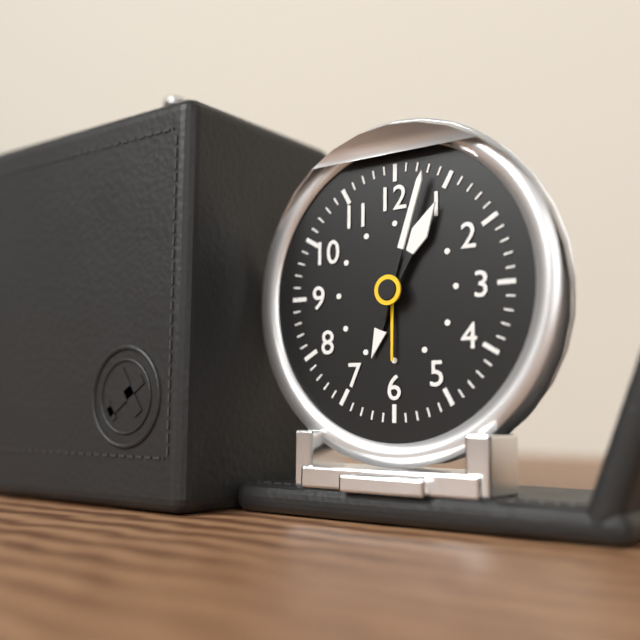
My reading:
1 h 03 min
